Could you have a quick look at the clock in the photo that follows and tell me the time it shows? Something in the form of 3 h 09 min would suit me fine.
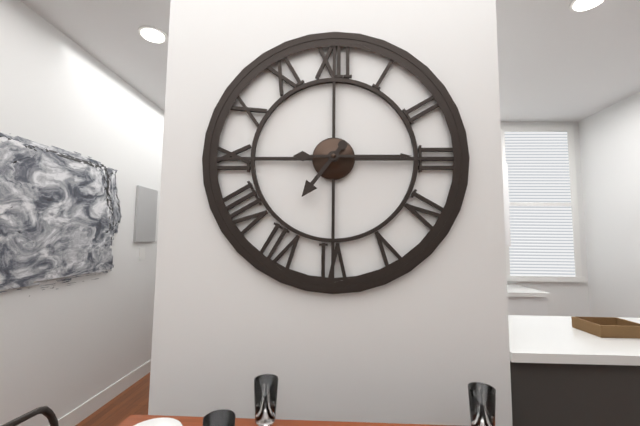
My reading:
7 h 15 min
